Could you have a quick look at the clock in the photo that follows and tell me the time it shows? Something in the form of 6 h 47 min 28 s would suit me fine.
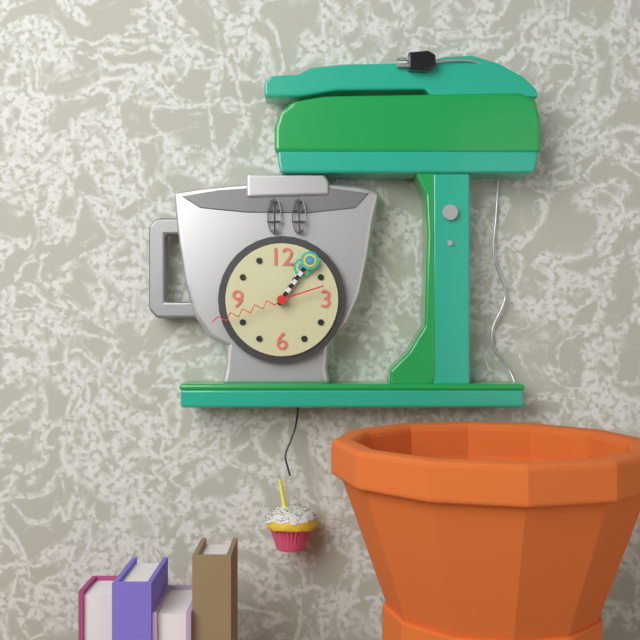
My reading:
1 h 06 min 42 s
